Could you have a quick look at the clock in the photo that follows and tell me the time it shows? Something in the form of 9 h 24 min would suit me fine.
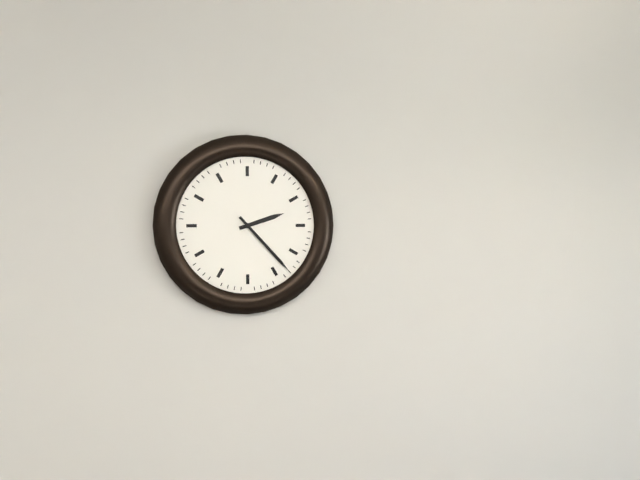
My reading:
2 h 23 min
